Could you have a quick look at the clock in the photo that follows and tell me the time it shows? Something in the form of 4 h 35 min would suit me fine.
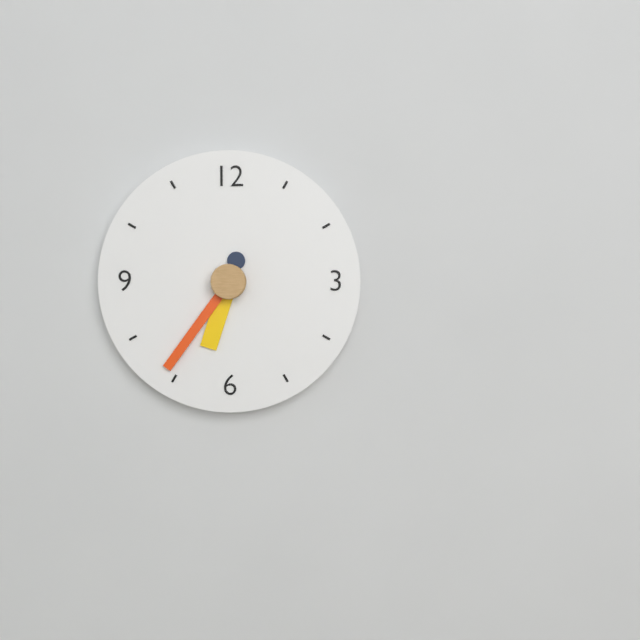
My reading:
6 h 36 min
